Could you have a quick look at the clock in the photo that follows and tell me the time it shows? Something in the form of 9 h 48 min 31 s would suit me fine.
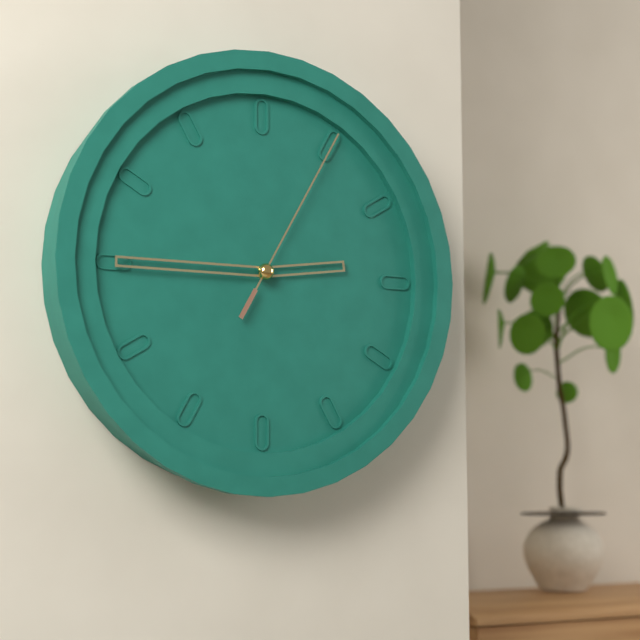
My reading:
2 h 45 min 05 s
